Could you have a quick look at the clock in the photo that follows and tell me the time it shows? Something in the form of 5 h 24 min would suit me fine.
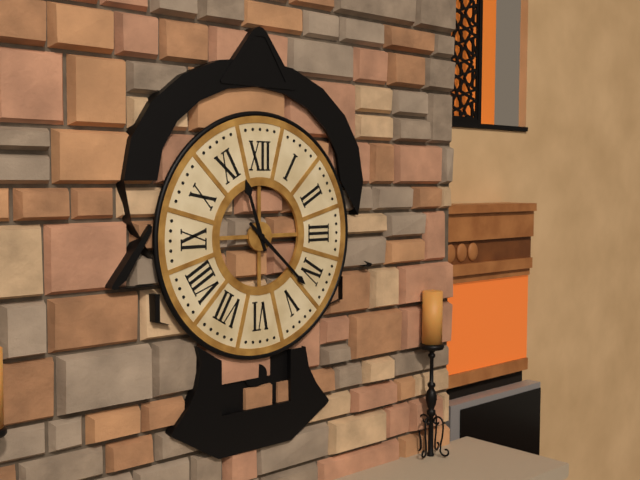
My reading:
11 h 22 min
